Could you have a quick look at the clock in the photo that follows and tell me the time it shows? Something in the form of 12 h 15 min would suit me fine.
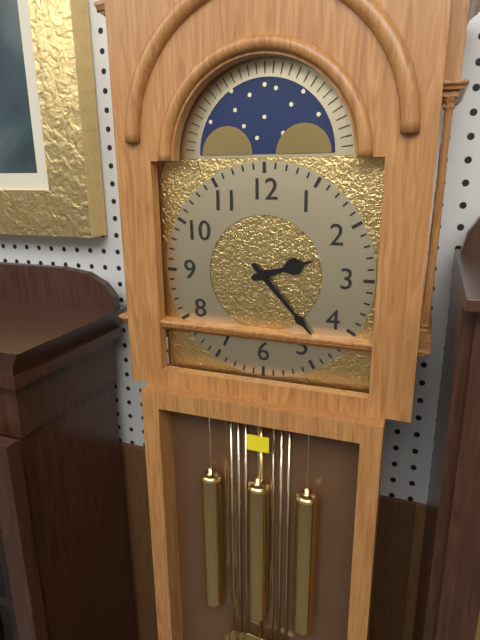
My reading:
2 h 23 min
